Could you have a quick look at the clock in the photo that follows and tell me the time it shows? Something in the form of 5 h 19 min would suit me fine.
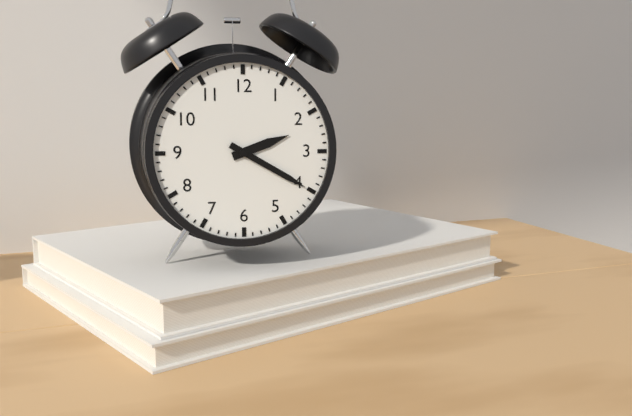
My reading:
2 h 20 min
